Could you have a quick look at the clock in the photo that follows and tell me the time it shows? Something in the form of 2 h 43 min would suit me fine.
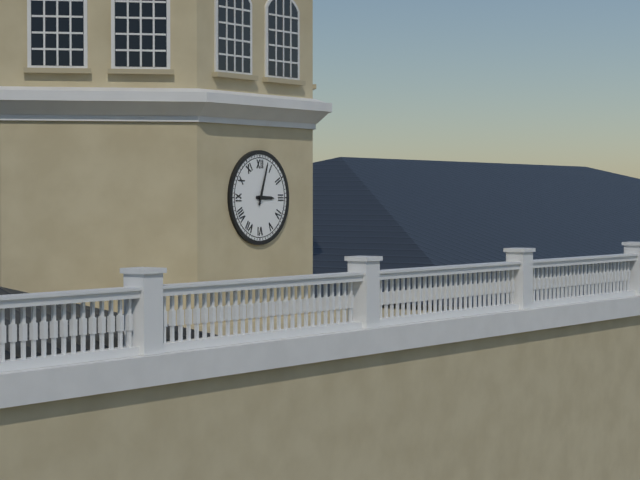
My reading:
3 h 03 min
